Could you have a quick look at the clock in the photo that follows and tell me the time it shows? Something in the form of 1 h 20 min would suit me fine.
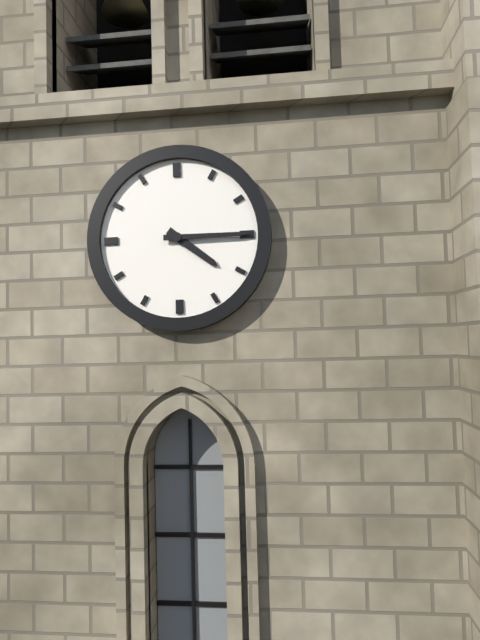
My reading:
4 h 15 min
